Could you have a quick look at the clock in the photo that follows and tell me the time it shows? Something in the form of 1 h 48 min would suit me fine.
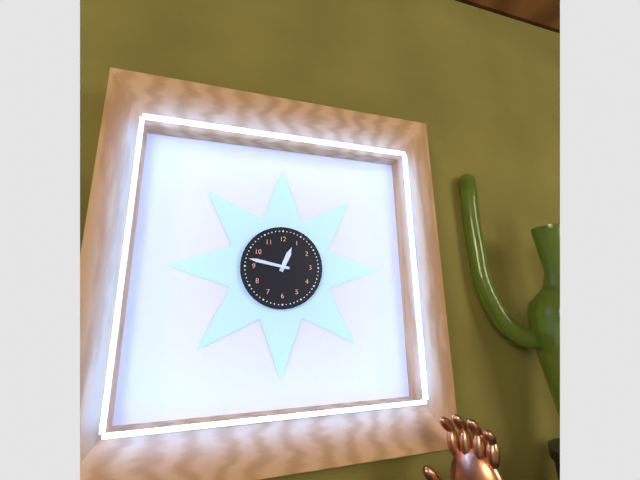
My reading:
12 h 47 min
